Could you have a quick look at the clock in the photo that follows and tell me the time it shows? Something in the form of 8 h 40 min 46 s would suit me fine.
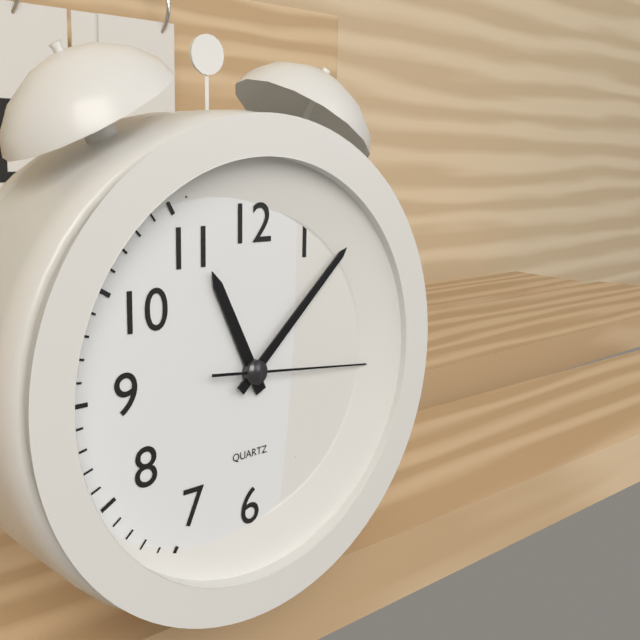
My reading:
11 h 08 min 16 s
